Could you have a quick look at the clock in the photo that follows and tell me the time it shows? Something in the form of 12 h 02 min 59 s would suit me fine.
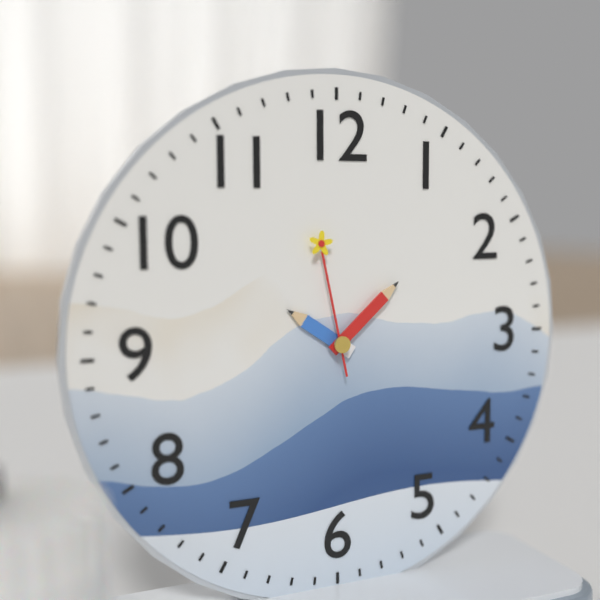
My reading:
10 h 08 min 58 s
